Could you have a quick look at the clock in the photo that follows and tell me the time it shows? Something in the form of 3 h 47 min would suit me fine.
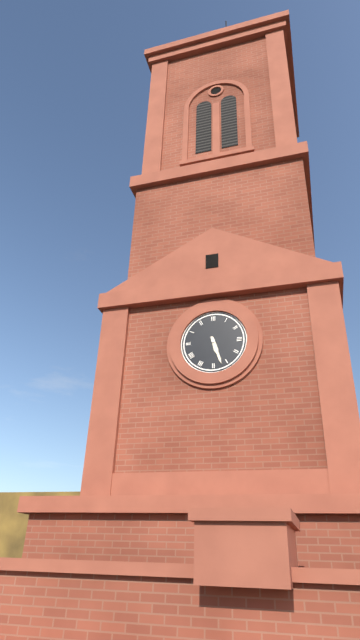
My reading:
5 h 27 min
